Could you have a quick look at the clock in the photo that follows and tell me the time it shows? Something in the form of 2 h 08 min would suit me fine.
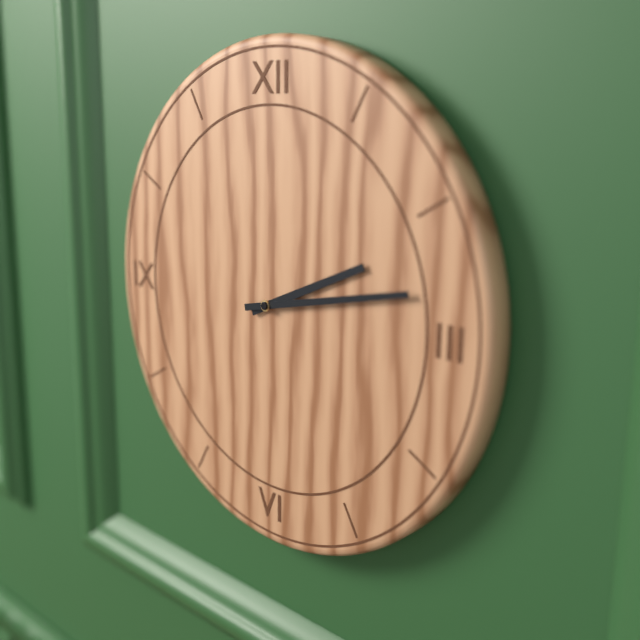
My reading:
2 h 13 min
